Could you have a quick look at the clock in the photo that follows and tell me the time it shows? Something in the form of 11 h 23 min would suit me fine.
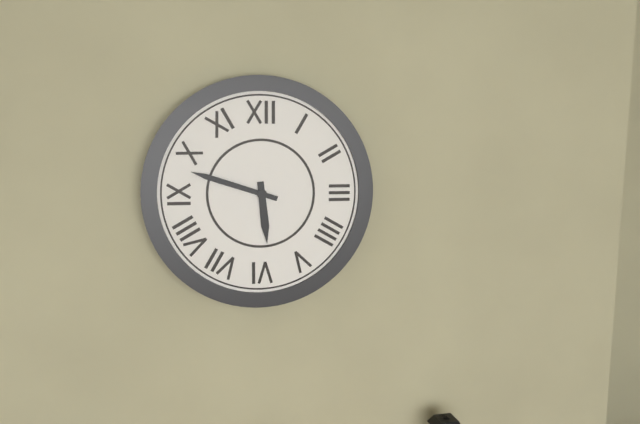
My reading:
5 h 48 min
